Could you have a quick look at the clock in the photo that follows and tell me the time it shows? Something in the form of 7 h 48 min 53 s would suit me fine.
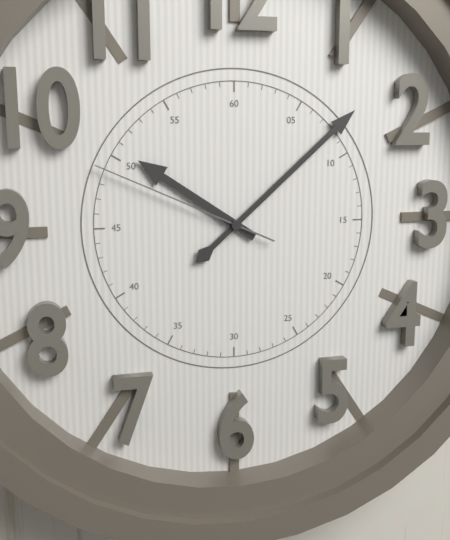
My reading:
10 h 08 min 49 s
